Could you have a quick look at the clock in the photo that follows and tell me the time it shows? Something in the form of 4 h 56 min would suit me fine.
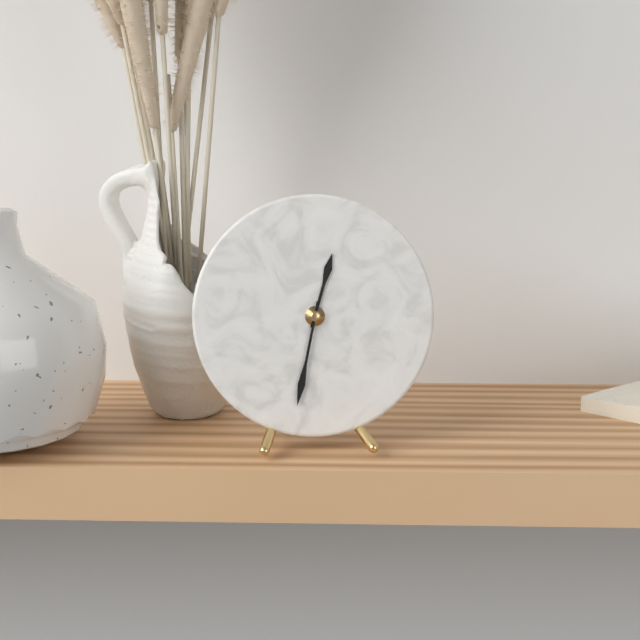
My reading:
12 h 32 min
